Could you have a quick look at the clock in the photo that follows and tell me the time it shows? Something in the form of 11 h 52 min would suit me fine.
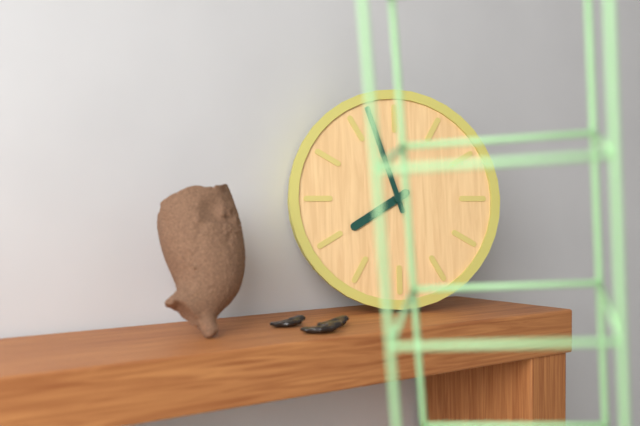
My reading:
7 h 57 min
